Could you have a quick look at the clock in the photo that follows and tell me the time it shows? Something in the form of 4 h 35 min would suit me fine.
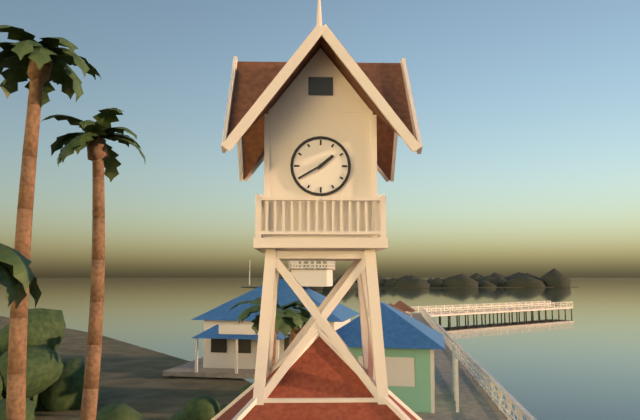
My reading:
1 h 40 min
